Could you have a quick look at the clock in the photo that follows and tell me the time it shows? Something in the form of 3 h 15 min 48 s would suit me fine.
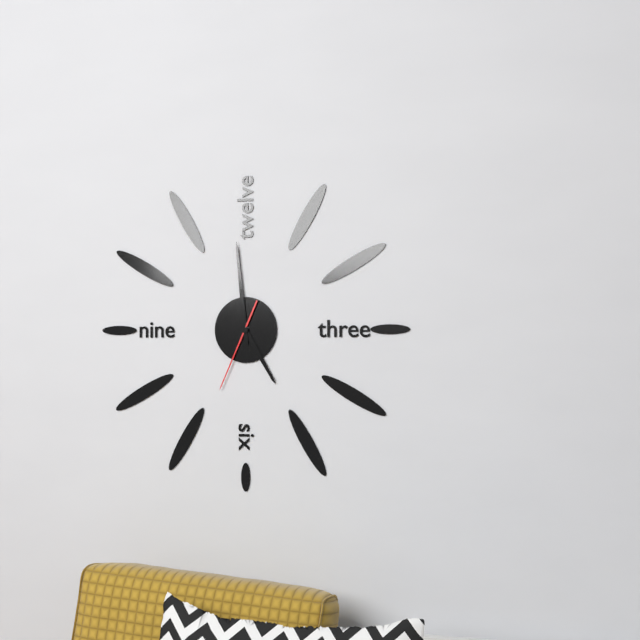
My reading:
4 h 59 min 34 s
